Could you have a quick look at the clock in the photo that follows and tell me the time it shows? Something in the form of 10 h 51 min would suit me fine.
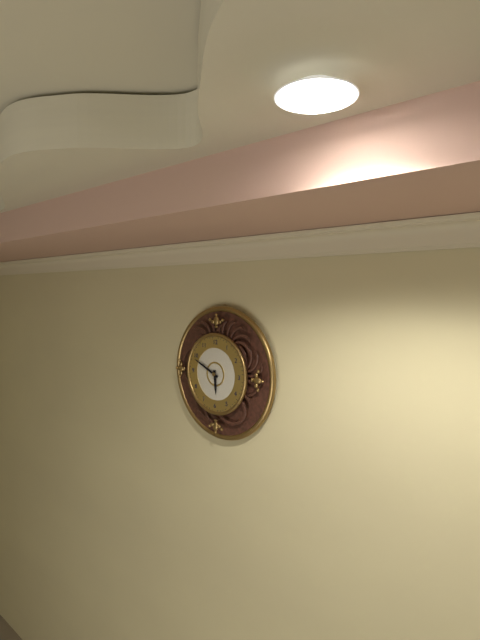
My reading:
5 h 49 min
